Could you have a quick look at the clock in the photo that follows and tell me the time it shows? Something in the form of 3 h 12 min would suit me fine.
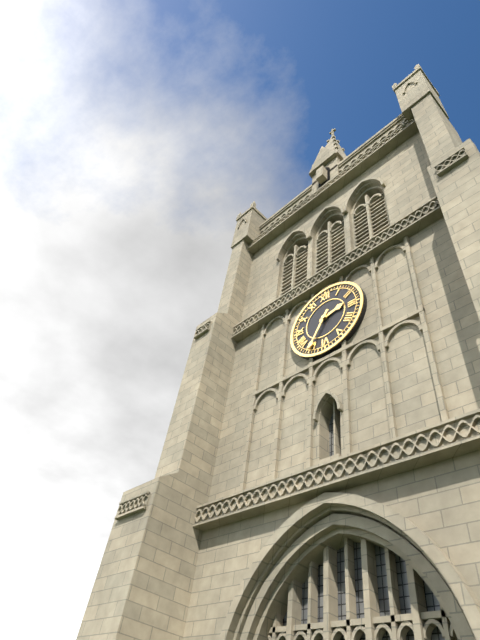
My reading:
2 h 35 min
